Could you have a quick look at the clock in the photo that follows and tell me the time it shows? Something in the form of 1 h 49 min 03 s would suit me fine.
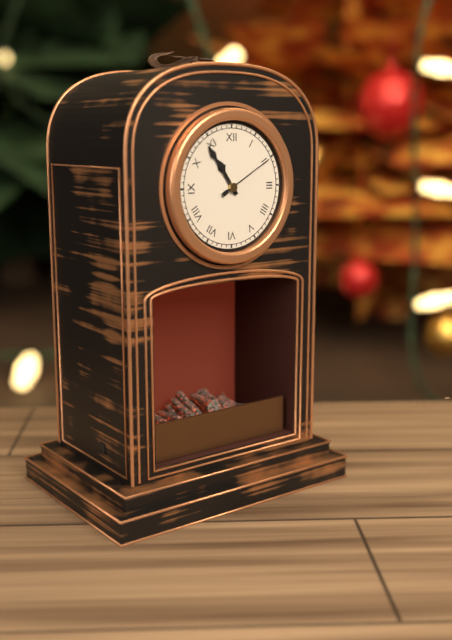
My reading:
10 h 54 min 10 s
